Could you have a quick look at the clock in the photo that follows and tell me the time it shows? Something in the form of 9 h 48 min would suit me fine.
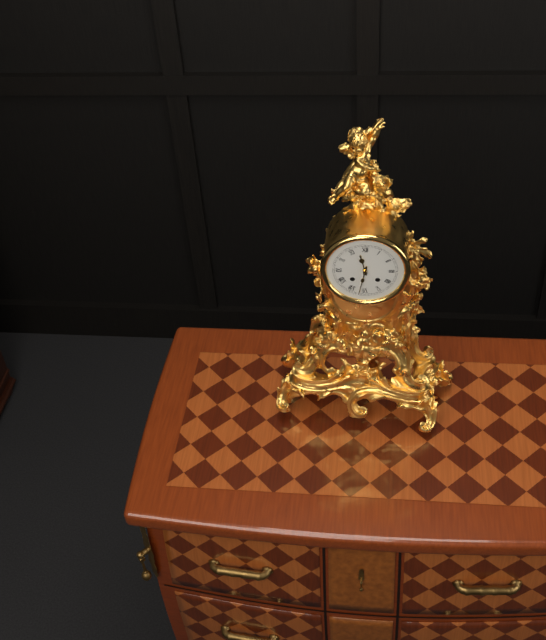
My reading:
11 h 32 min
